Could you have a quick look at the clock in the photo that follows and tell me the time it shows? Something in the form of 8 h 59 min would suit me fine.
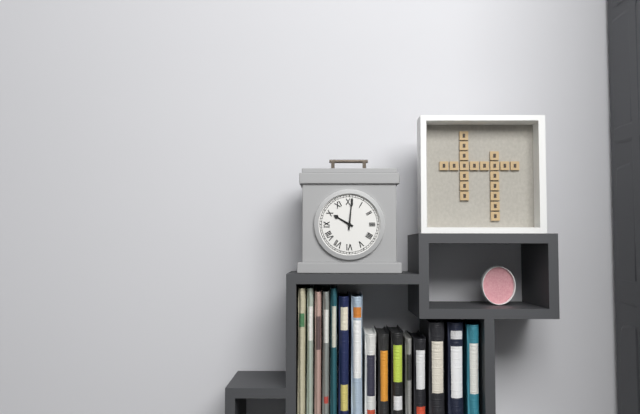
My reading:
10 h 01 min
